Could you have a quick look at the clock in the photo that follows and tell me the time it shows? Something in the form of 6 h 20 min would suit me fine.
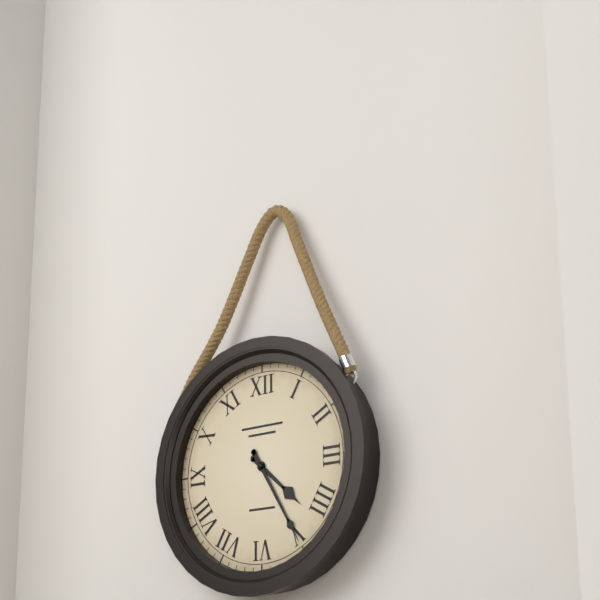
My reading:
4 h 25 min
